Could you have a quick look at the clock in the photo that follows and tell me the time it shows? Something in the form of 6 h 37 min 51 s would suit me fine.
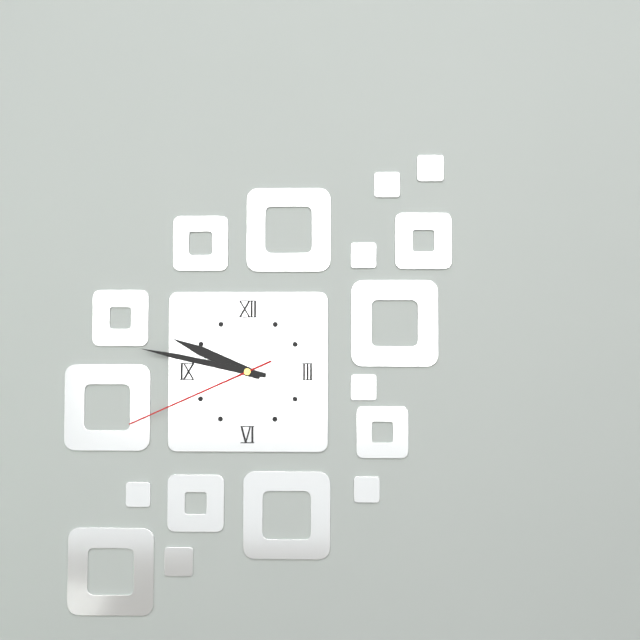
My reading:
9 h 47 min 41 s
